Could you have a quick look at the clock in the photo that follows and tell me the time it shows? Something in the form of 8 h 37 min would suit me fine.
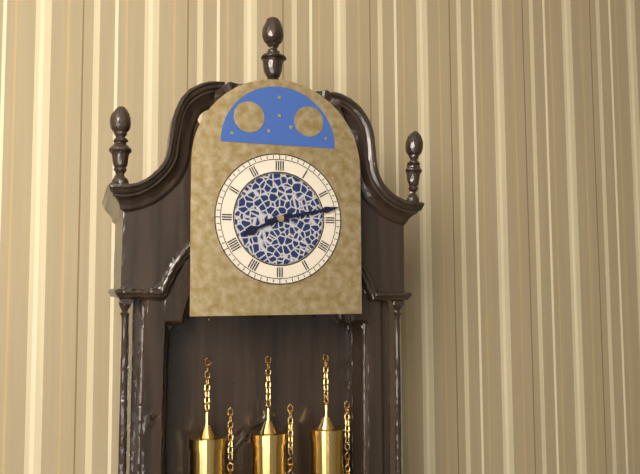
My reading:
8 h 13 min
